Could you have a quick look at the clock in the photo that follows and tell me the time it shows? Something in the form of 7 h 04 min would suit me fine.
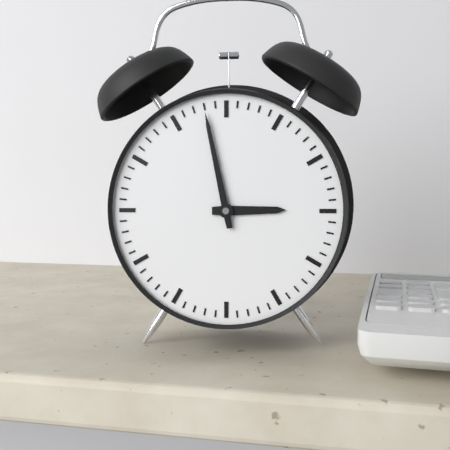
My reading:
2 h 58 min
